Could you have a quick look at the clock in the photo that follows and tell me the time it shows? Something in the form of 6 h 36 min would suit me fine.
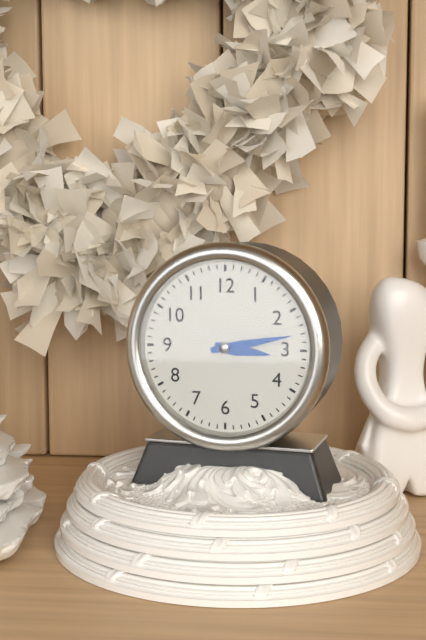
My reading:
3 h 13 min
